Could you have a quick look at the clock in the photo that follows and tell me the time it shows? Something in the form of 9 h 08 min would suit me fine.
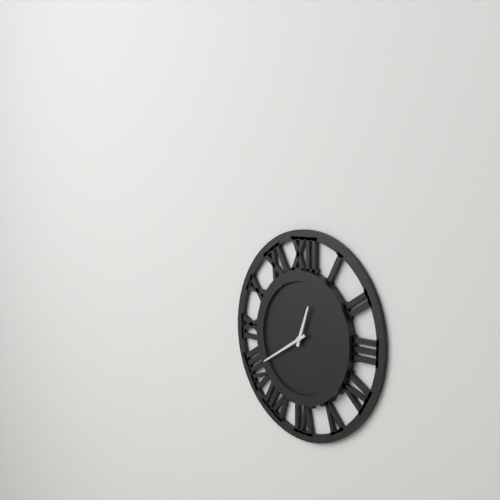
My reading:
12 h 40 min
